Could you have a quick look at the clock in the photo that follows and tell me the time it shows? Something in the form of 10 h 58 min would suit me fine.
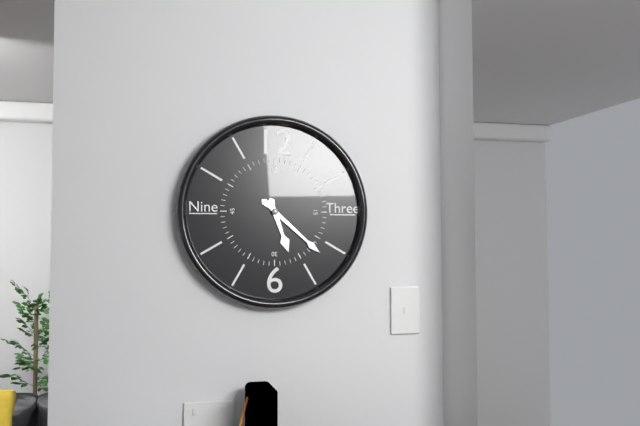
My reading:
5 h 22 min
